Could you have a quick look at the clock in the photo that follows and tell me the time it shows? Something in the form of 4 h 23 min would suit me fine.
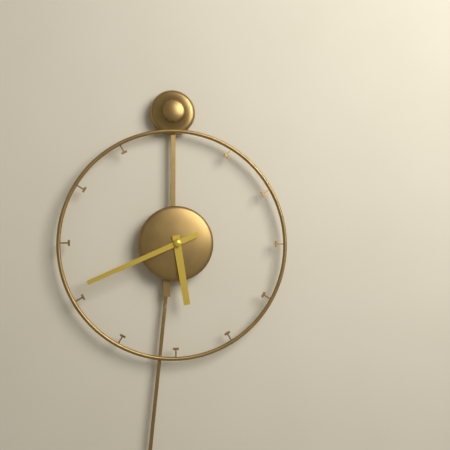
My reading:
5 h 41 min
